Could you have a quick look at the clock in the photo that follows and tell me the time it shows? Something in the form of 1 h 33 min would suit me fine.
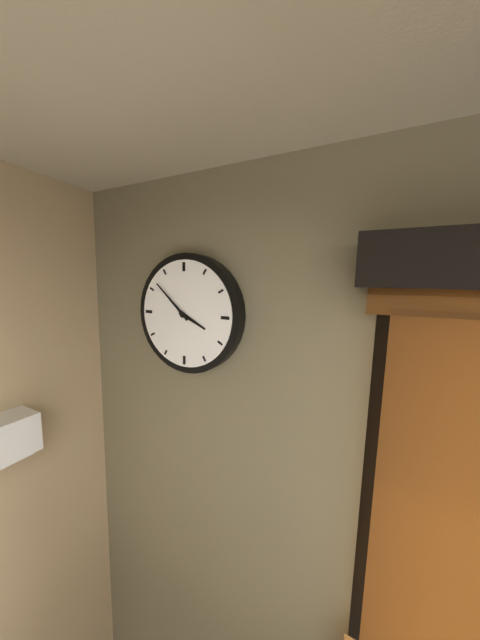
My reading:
3 h 52 min
